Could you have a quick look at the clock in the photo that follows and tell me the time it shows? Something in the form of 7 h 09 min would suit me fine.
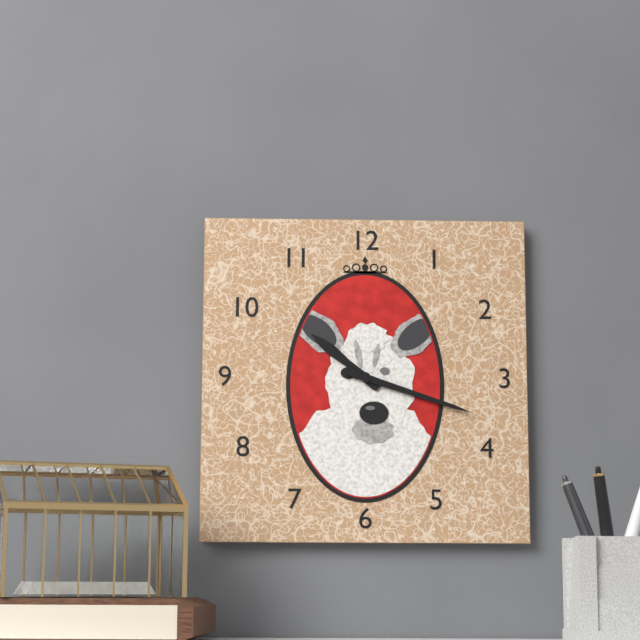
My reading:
10 h 18 min
